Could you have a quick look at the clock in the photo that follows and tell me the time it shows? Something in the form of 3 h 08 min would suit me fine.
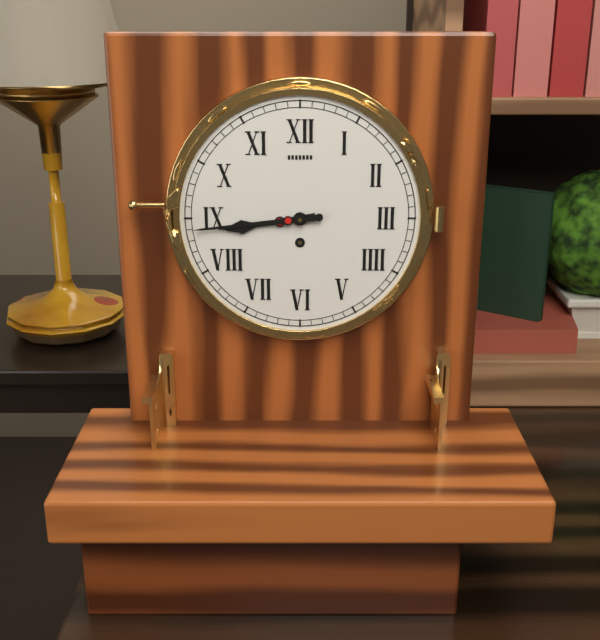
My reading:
8 h 44 min
